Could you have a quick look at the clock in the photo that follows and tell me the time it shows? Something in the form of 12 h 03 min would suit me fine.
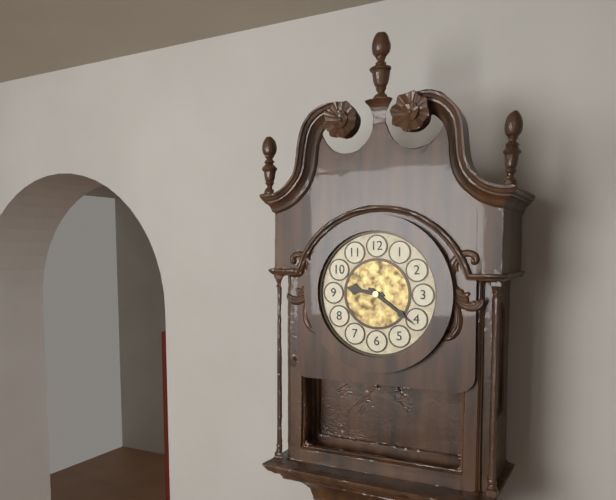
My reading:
9 h 21 min
